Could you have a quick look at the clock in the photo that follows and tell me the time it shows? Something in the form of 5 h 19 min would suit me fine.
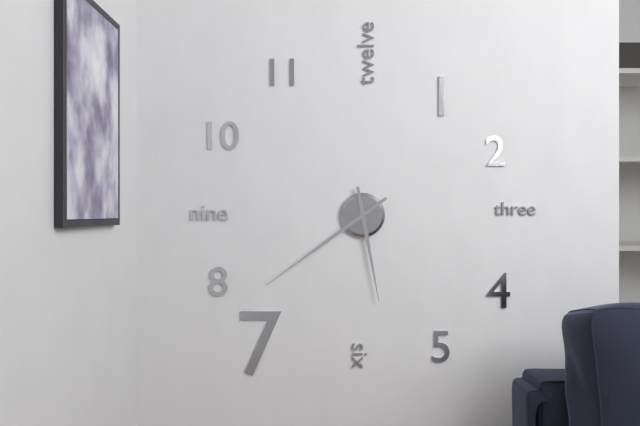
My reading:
5 h 39 min
